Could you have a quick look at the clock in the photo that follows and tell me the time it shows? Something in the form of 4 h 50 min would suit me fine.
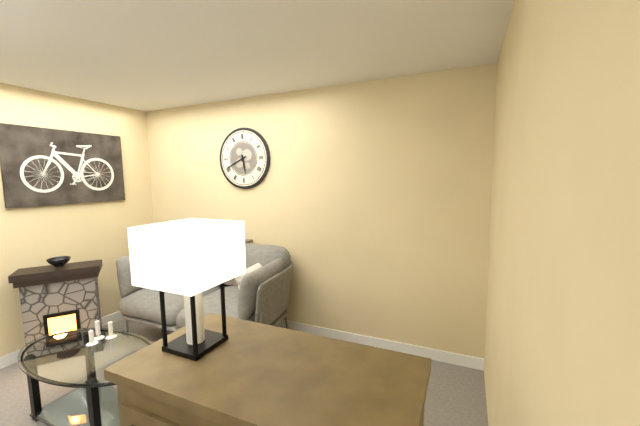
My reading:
5 h 41 min
